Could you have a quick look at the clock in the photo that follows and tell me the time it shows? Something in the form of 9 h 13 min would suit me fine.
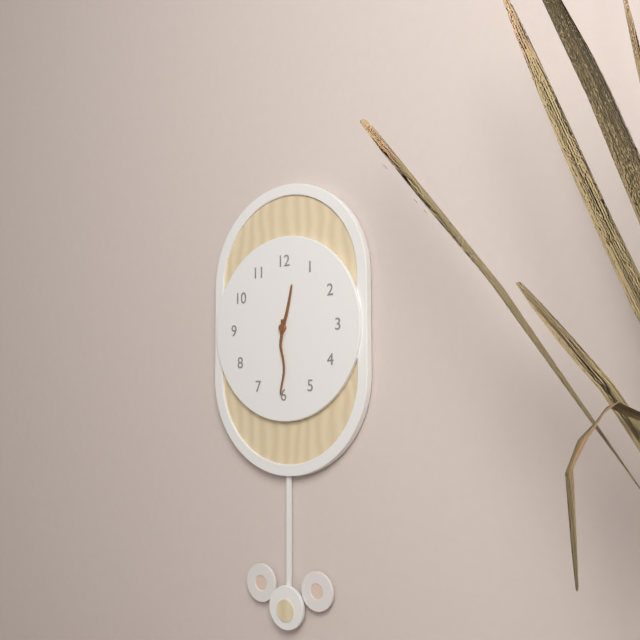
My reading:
12 h 30 min
